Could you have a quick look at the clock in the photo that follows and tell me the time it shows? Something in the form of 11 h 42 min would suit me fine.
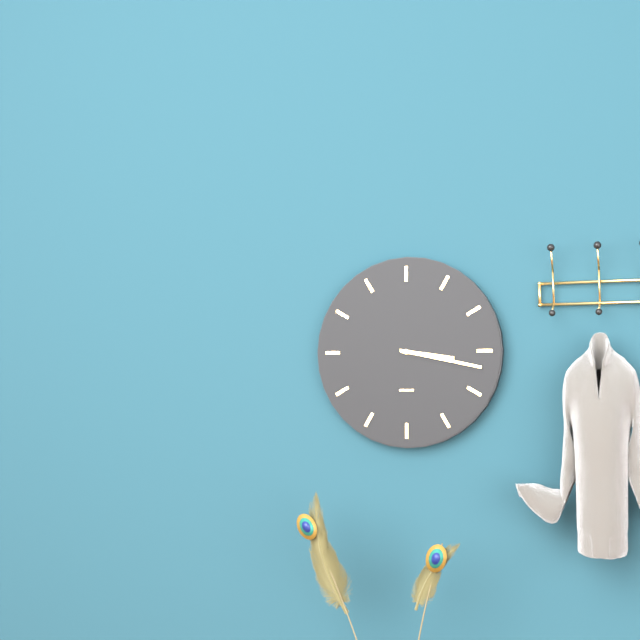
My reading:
3 h 17 min
